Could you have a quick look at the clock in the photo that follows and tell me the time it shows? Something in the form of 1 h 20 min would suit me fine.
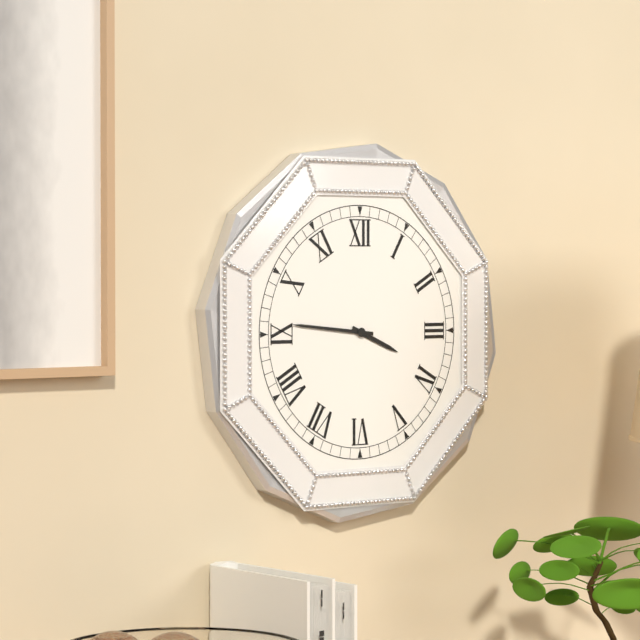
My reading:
3 h 46 min
